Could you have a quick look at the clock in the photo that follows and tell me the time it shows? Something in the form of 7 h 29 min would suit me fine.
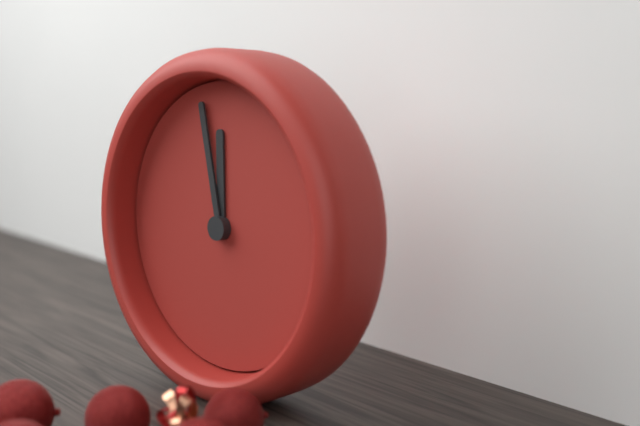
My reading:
11 h 58 min
